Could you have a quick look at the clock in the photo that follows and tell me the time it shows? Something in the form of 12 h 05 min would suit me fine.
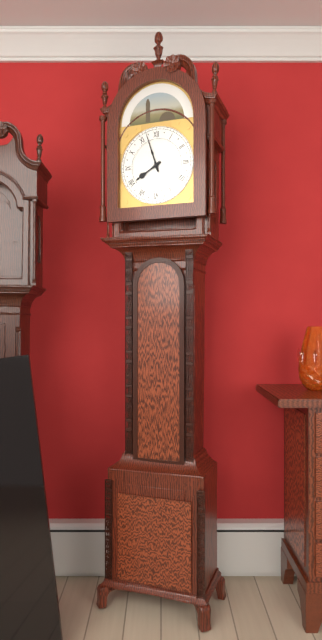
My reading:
7 h 57 min
